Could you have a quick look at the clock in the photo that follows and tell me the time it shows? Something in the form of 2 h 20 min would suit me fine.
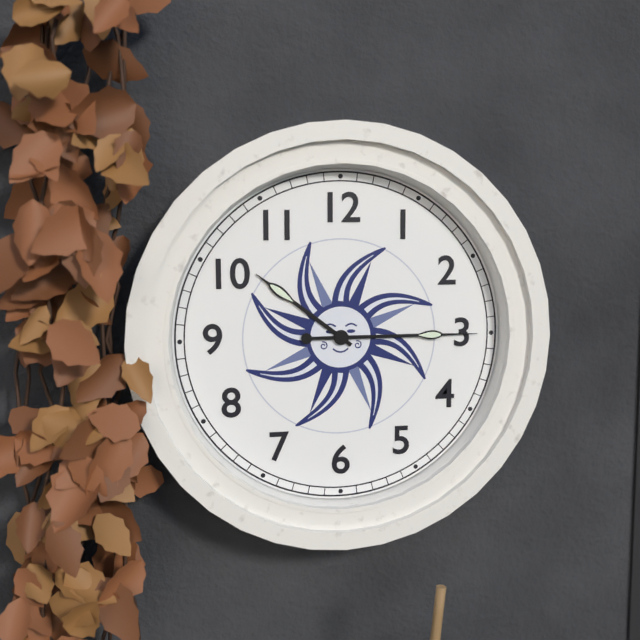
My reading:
10 h 15 min
